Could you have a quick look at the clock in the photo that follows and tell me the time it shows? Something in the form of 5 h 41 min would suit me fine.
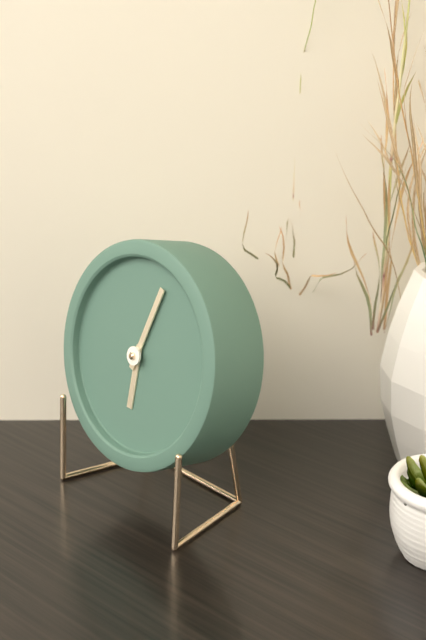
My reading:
6 h 03 min
